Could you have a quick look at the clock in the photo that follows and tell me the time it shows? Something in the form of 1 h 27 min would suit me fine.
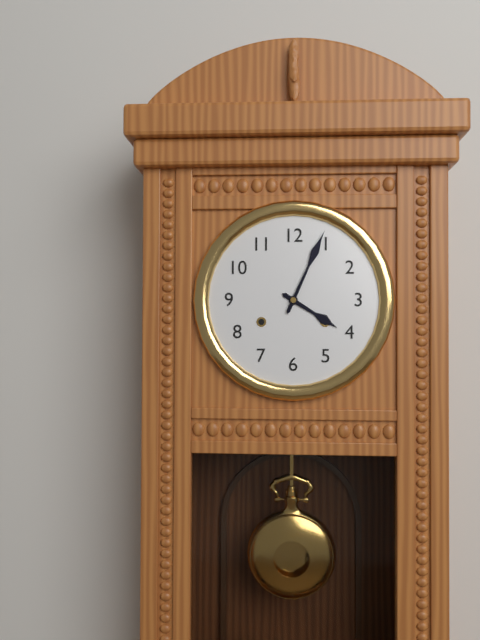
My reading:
4 h 04 min
